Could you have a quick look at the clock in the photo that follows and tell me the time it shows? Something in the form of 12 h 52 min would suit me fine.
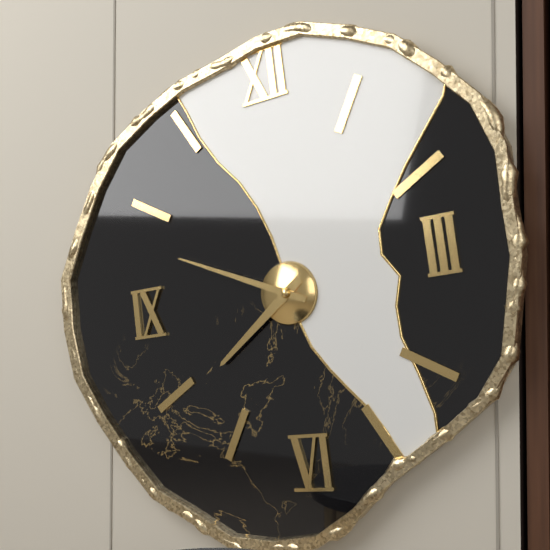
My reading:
7 h 49 min
